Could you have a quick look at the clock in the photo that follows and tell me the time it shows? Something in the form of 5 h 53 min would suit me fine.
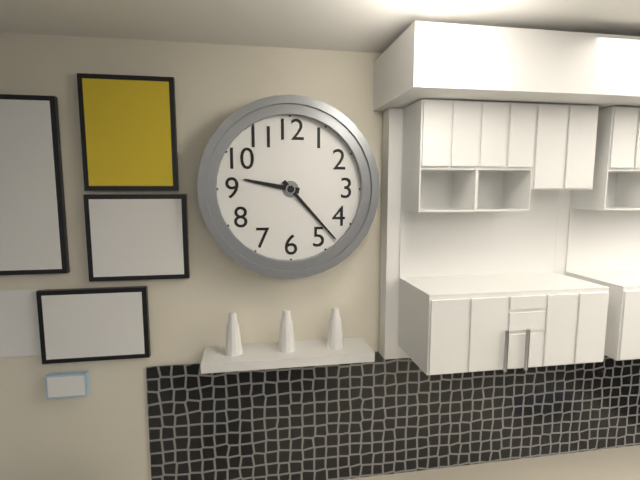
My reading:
9 h 23 min
